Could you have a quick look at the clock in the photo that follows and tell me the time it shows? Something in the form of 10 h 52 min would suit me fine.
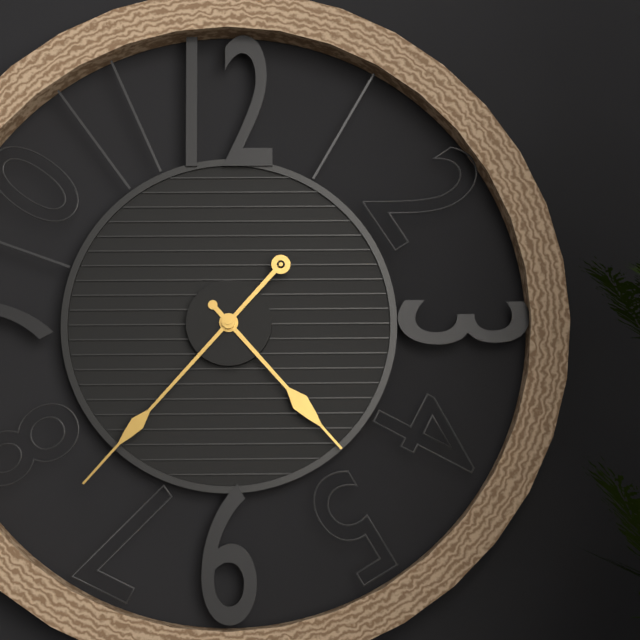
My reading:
4 h 37 min
